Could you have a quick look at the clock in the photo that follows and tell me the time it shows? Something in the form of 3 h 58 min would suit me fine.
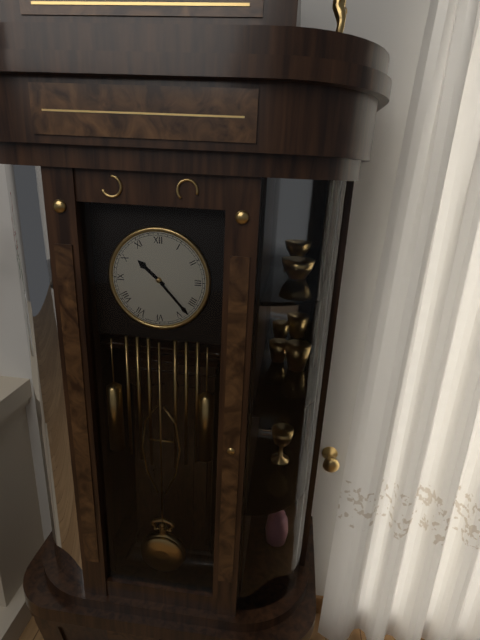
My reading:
10 h 23 min
